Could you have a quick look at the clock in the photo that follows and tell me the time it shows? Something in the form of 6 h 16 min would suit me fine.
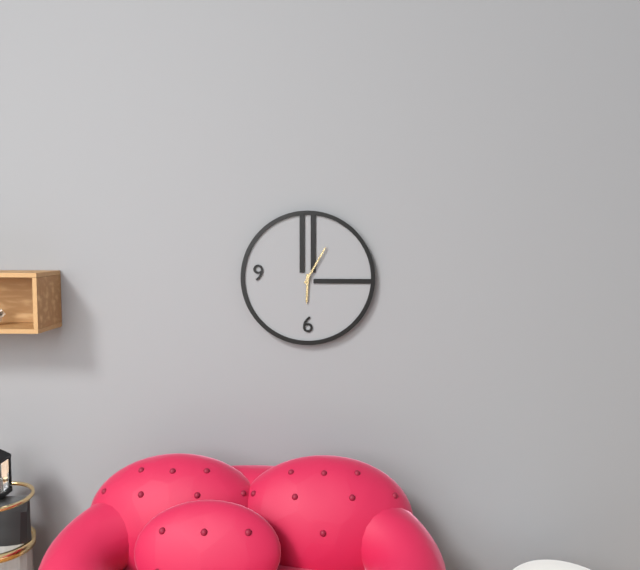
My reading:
6 h 05 min
